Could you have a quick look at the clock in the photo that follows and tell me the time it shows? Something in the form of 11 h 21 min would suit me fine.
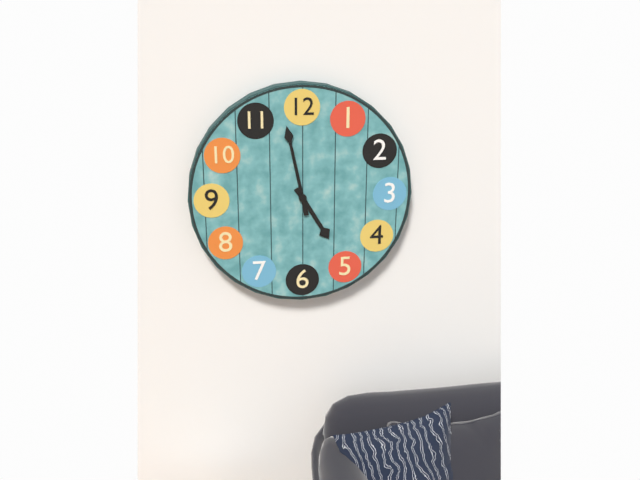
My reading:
4 h 58 min
